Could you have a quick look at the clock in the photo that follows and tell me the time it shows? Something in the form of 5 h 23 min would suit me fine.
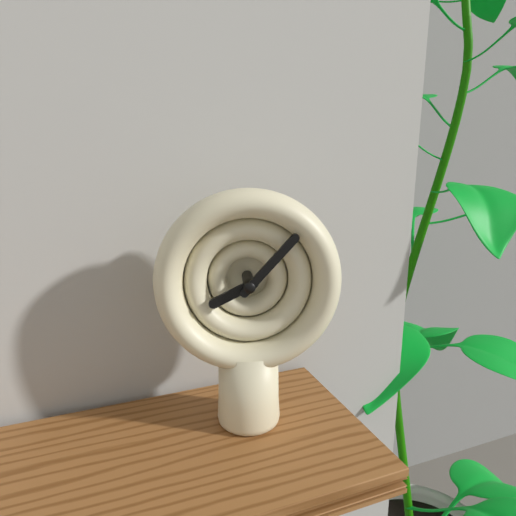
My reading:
8 h 07 min
